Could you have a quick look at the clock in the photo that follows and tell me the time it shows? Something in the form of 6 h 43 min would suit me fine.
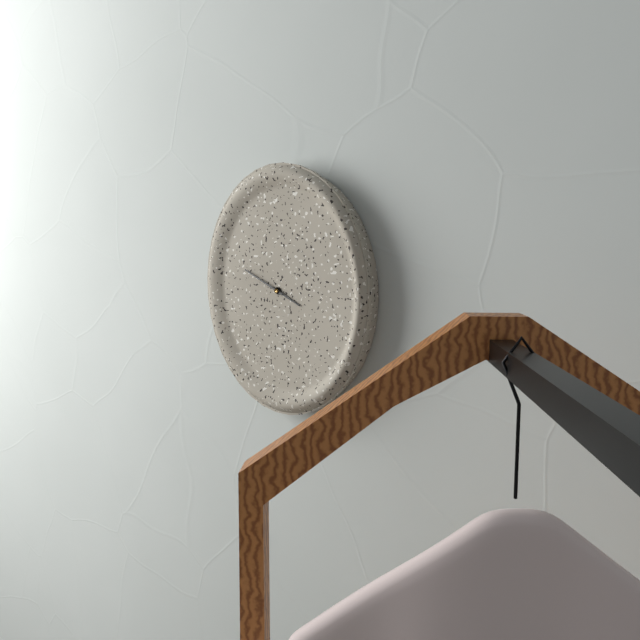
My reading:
3 h 49 min
